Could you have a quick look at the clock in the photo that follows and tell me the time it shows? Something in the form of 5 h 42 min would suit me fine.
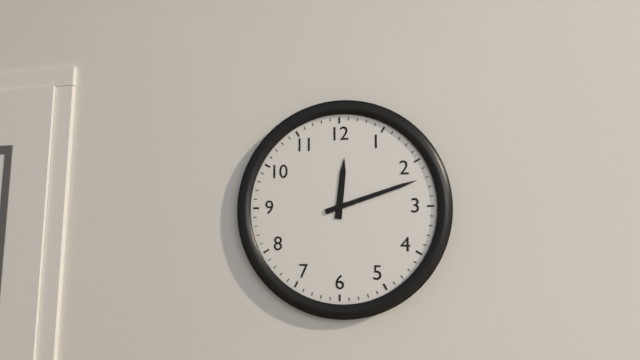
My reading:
12 h 12 min
